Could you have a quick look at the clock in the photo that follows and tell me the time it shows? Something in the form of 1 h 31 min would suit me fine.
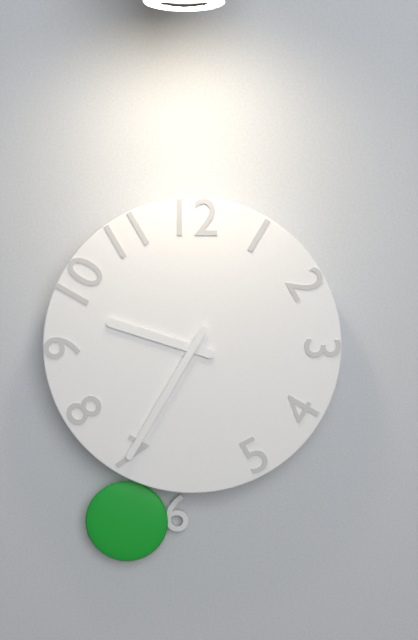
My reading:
9 h 35 min
